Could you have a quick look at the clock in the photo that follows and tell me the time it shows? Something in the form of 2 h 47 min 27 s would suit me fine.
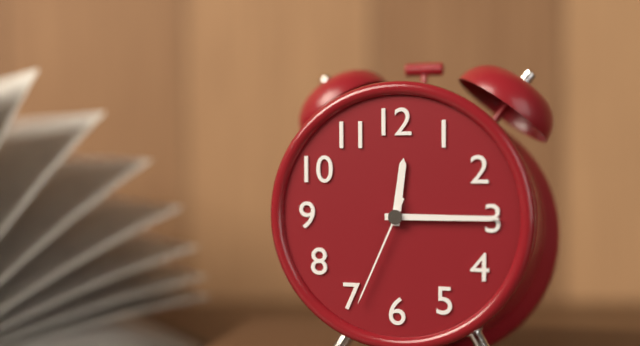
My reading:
12 h 15 min 34 s
